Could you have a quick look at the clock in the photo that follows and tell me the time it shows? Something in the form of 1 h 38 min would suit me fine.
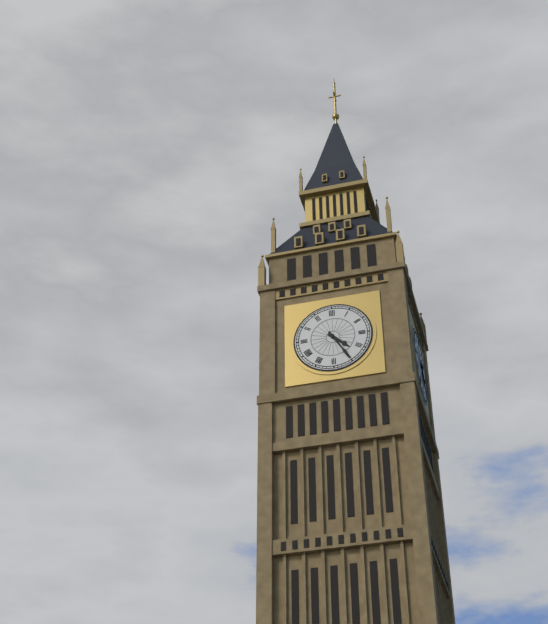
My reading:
4 h 25 min
